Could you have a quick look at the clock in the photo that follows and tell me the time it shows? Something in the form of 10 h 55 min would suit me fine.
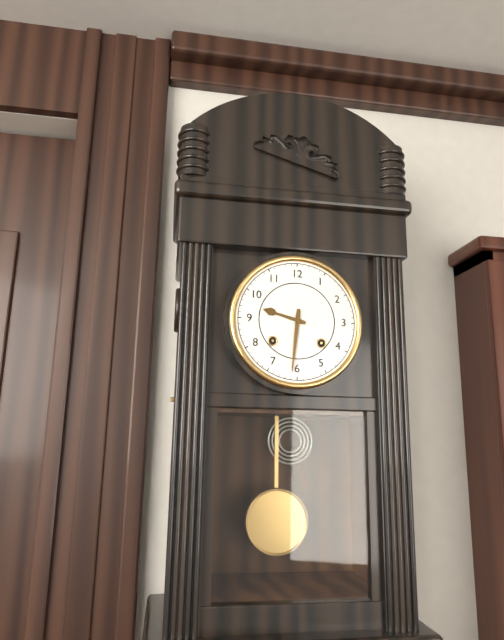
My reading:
9 h 31 min
